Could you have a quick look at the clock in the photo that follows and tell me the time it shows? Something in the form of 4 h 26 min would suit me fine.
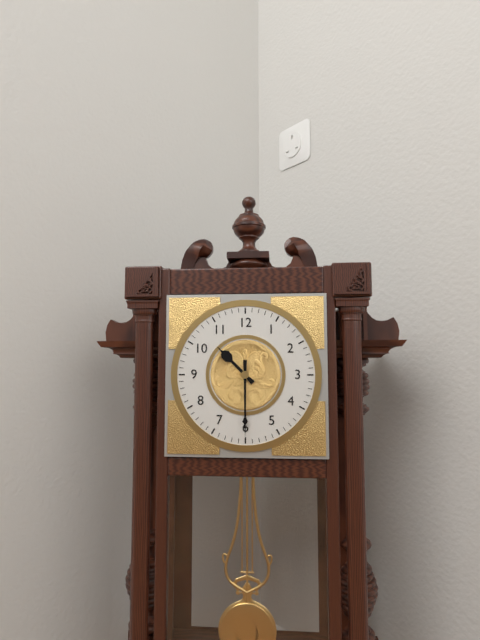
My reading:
10 h 30 min
